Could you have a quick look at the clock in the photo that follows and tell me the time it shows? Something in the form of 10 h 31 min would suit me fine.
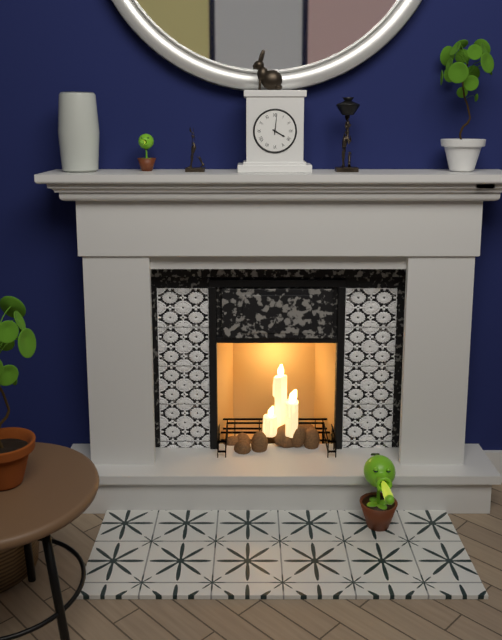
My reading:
4 h 01 min
